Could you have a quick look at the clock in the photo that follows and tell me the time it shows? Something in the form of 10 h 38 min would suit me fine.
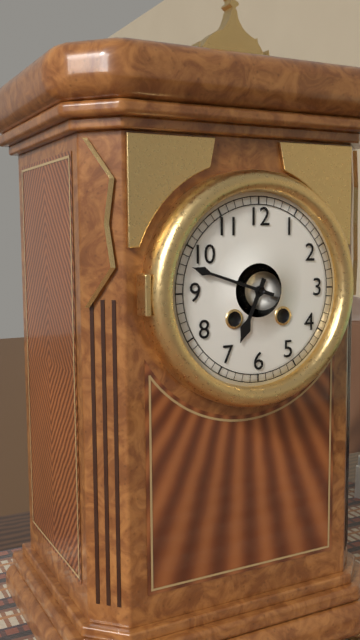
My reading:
6 h 48 min
